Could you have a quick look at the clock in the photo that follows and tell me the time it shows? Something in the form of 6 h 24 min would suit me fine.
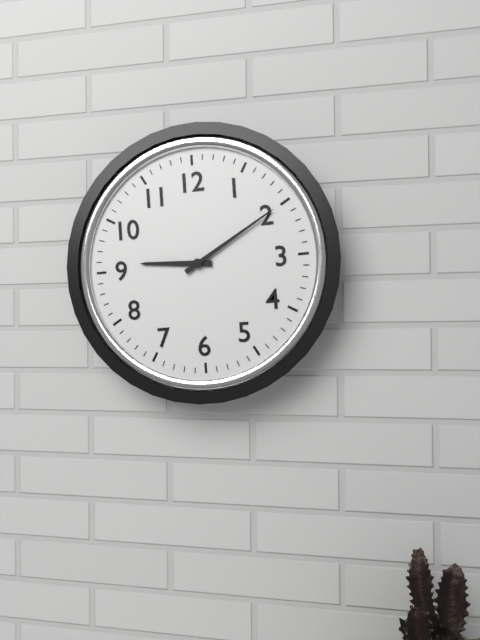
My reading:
9 h 10 min
